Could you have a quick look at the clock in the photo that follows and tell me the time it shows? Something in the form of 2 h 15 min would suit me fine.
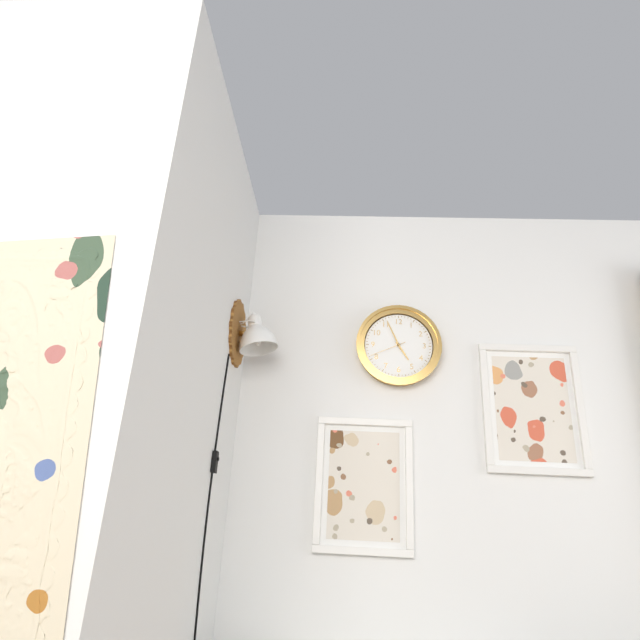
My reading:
4 h 56 min
